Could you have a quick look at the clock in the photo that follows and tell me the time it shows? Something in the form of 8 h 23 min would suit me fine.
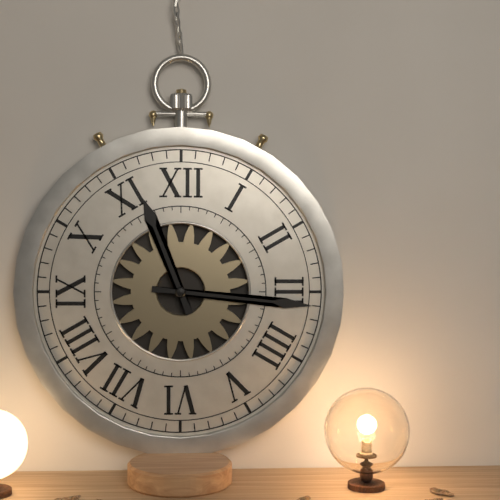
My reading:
11 h 16 min
